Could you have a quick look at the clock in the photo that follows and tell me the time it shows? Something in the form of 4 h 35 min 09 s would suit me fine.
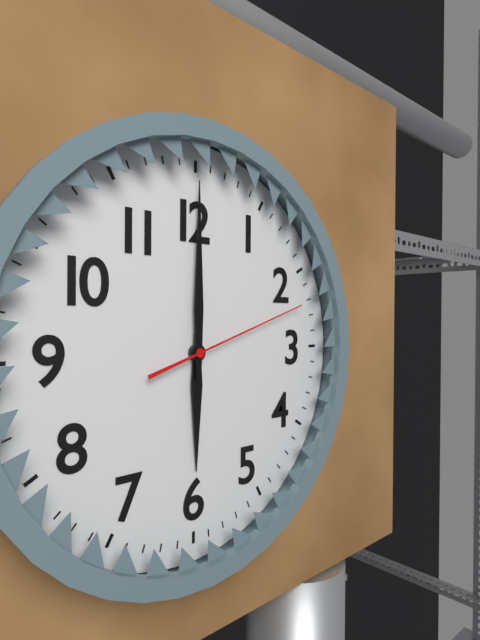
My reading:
6 h 00 min 12 s
